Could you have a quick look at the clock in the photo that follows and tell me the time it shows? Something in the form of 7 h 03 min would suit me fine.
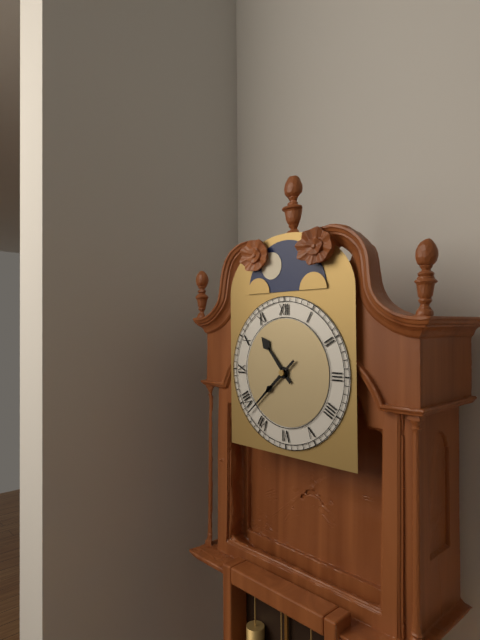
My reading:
10 h 38 min
